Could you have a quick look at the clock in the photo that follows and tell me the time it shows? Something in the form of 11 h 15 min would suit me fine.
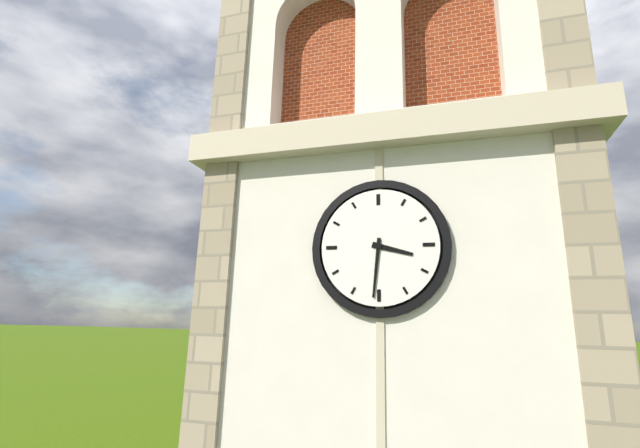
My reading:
3 h 31 min
